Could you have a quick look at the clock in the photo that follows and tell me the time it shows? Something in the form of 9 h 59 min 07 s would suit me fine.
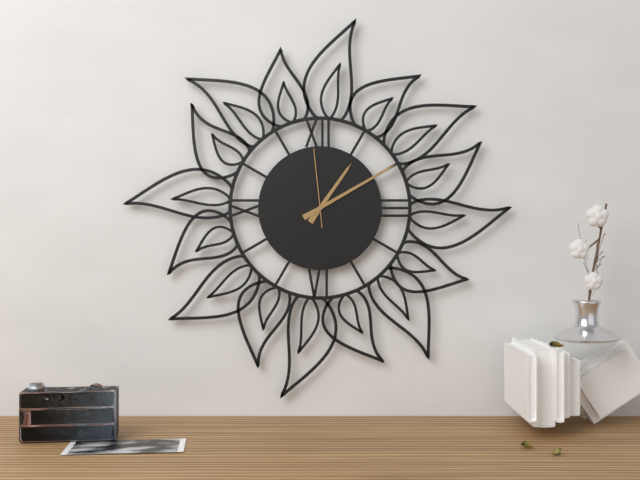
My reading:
1 h 10 min 59 s
